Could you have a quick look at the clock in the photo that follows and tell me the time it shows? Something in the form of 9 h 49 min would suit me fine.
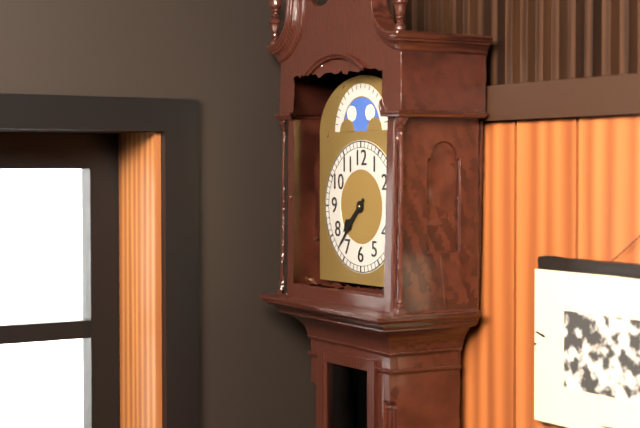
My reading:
7 h 37 min
